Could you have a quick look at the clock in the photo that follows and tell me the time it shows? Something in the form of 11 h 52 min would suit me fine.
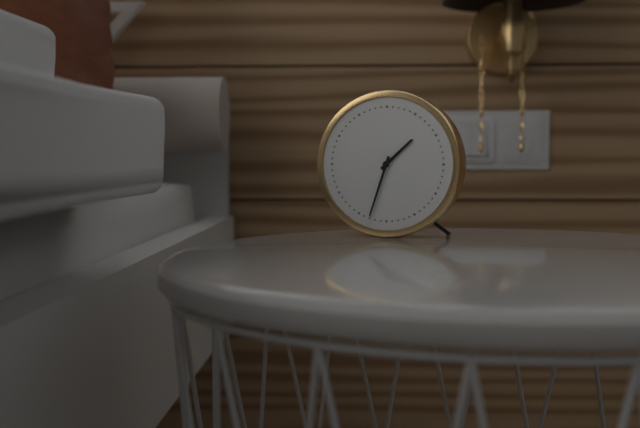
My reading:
1 h 33 min
